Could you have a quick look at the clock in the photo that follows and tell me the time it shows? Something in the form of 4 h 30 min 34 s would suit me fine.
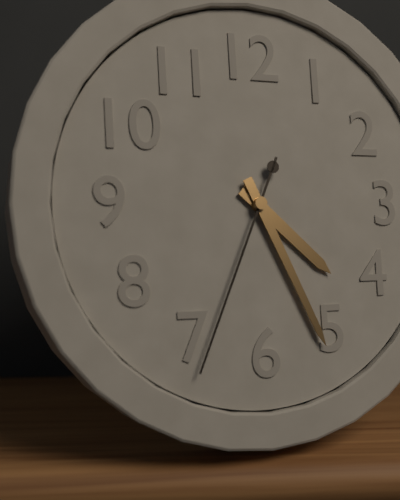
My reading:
4 h 26 min 34 s
